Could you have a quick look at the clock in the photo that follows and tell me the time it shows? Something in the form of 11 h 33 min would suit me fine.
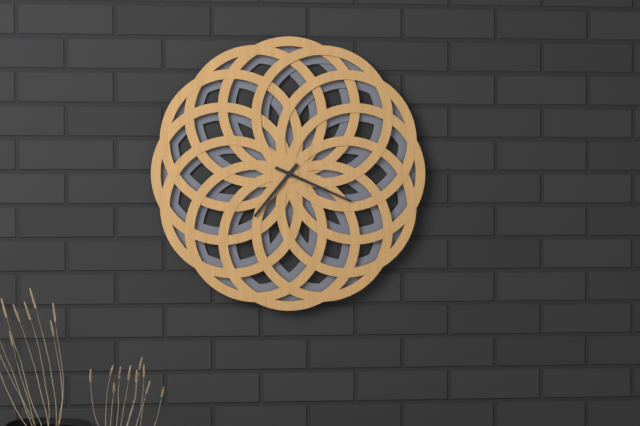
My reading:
7 h 19 min
